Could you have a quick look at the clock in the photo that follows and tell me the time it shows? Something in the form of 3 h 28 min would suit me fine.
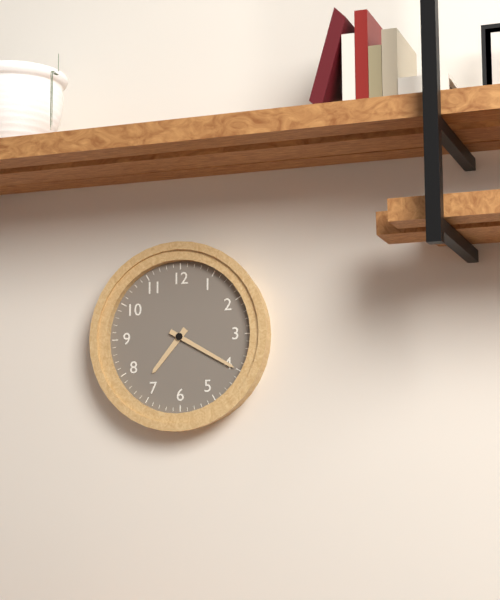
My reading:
7 h 20 min
